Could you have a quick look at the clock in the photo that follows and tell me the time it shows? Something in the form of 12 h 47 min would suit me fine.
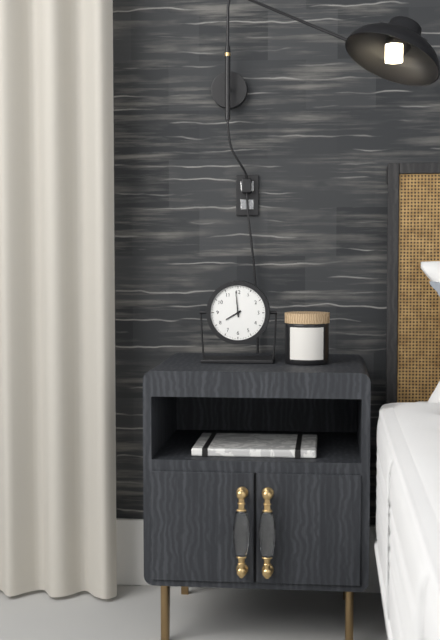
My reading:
7 h 59 min
